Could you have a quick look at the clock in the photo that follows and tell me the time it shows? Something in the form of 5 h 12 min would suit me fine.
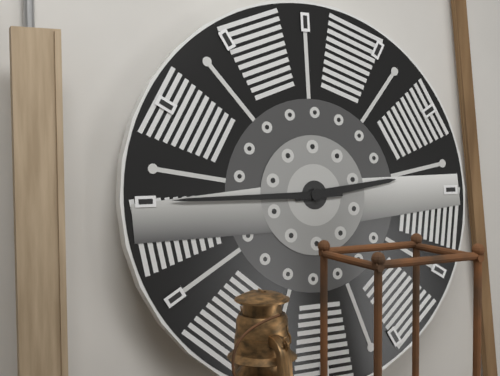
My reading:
2 h 45 min
